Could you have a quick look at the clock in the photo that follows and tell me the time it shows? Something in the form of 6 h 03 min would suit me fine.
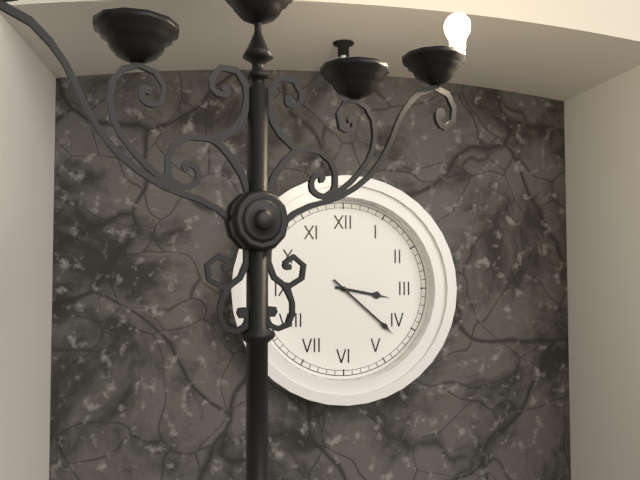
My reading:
3 h 22 min
